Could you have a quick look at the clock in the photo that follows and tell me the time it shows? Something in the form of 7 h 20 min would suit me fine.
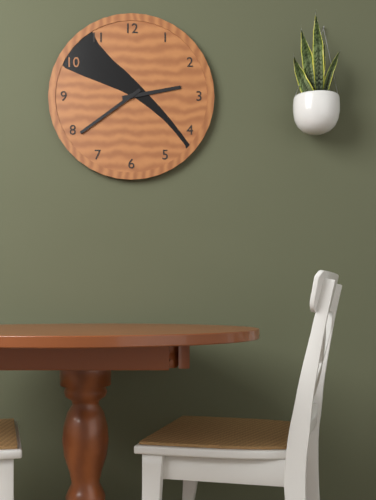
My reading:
2 h 39 min
